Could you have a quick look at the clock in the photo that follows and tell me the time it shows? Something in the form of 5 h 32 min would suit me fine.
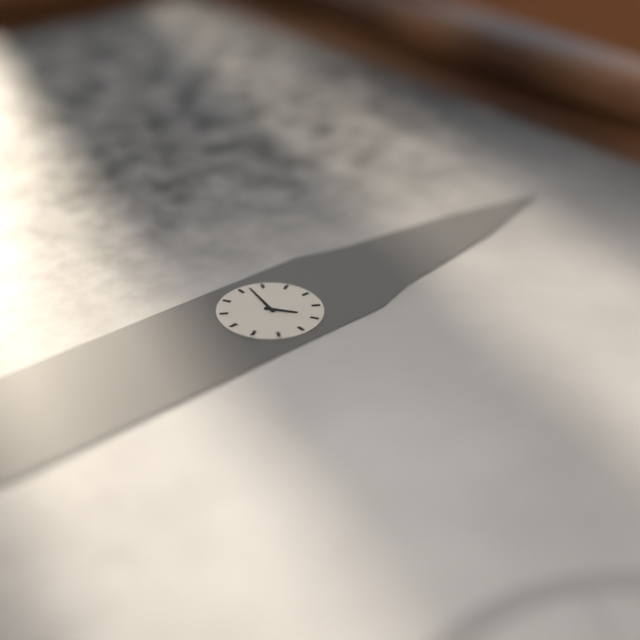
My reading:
1 h 47 min
